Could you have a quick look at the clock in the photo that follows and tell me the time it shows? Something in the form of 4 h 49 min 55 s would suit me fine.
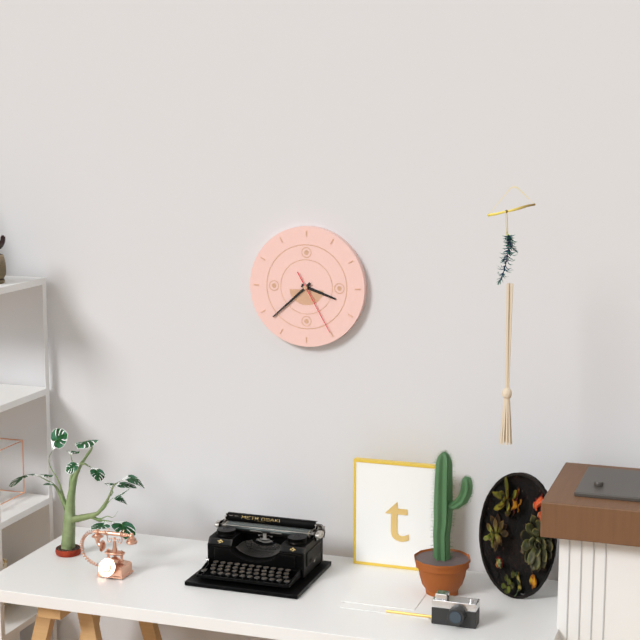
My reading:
3 h 38 min 25 s
